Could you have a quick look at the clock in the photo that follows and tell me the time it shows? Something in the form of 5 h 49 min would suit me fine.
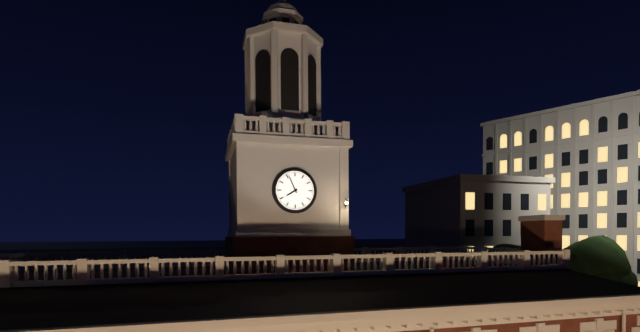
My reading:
7 h 56 min
